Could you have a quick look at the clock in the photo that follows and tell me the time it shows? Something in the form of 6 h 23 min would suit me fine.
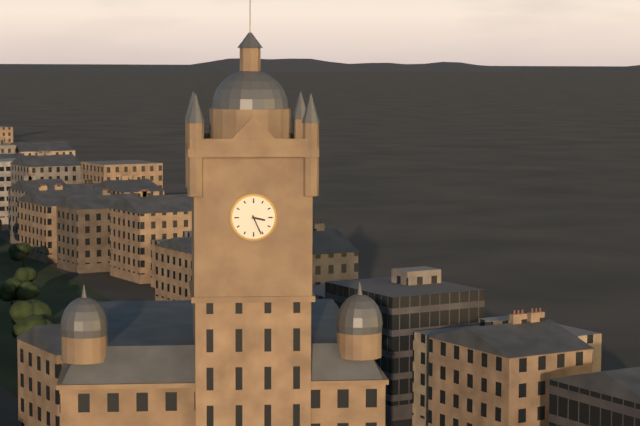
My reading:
3 h 26 min
